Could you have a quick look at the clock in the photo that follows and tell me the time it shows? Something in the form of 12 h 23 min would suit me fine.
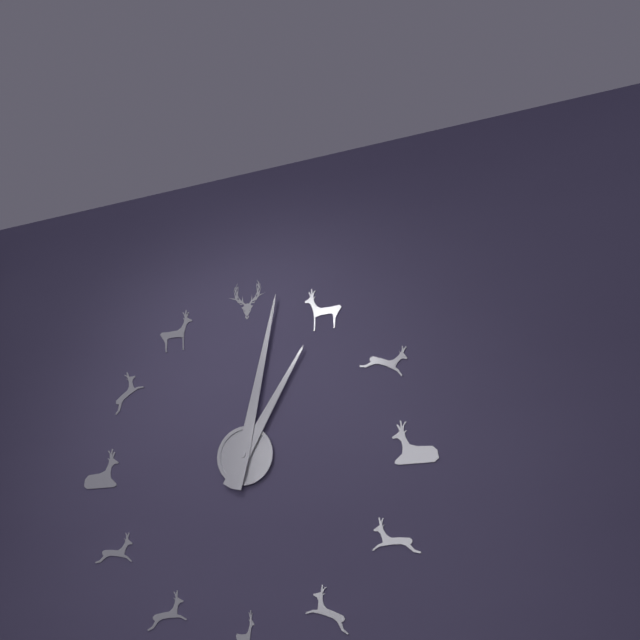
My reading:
1 h 02 min
